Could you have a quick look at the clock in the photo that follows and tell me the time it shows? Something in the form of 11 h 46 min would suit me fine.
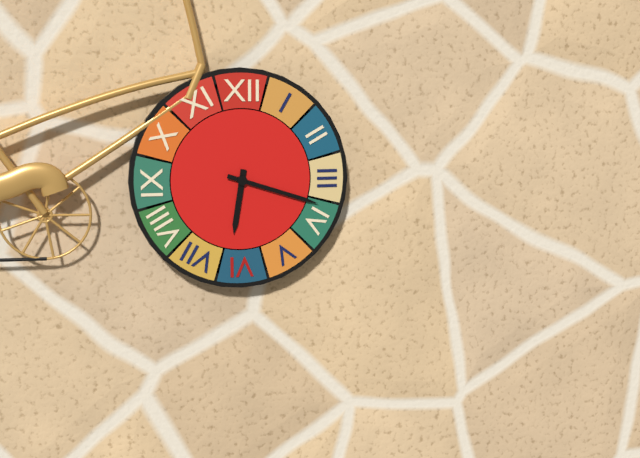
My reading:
6 h 18 min
